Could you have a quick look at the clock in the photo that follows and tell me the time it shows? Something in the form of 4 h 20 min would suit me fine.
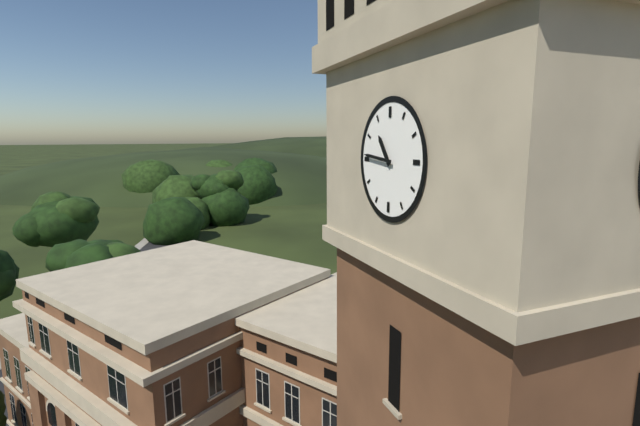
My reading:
10 h 46 min
